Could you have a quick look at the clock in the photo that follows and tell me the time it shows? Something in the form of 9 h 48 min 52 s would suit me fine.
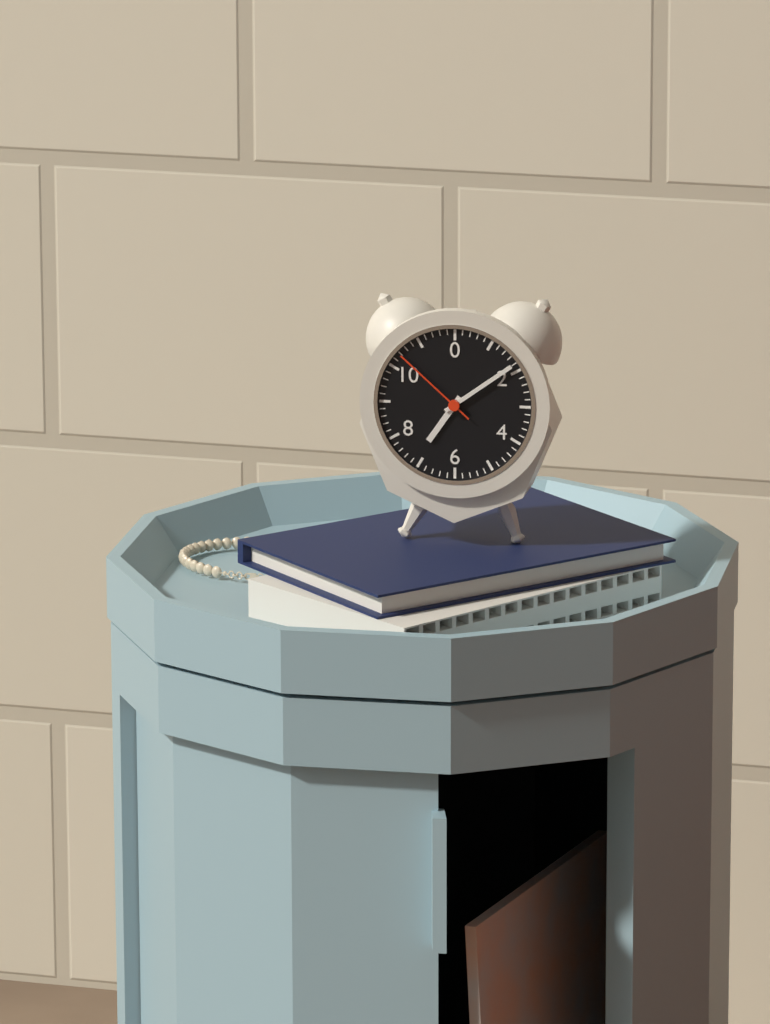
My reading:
7 h 09 min 52 s
